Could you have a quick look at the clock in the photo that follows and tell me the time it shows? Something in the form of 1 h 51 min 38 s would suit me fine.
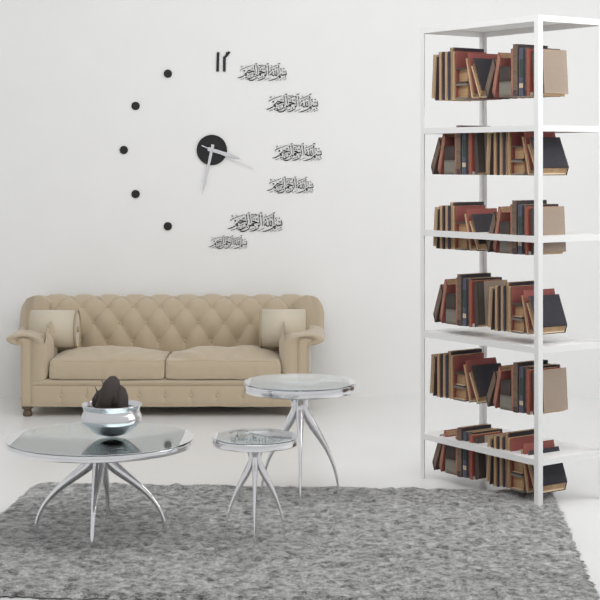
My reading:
3 h 32 min 19 s
